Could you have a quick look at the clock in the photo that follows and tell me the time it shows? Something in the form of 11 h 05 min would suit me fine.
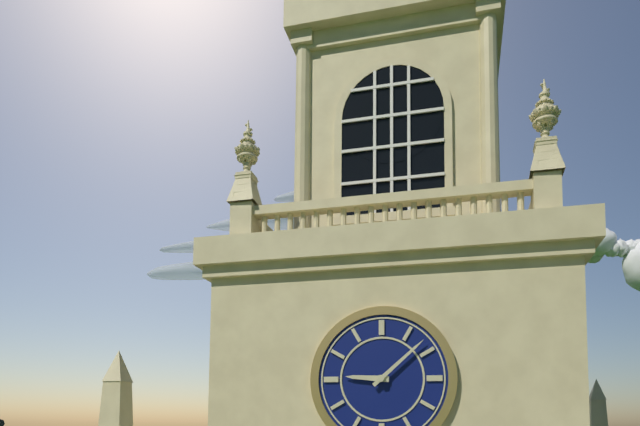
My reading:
9 h 08 min
